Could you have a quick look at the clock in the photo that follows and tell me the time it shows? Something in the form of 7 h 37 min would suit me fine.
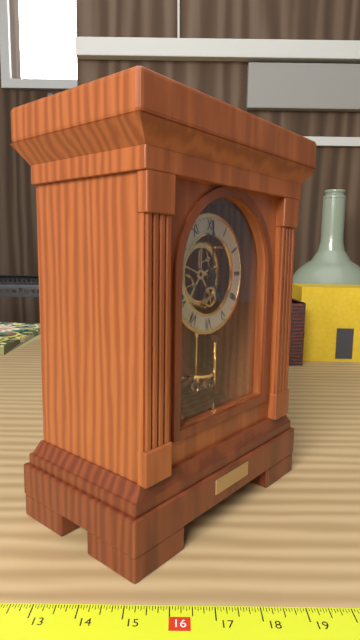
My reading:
5 h 00 min
